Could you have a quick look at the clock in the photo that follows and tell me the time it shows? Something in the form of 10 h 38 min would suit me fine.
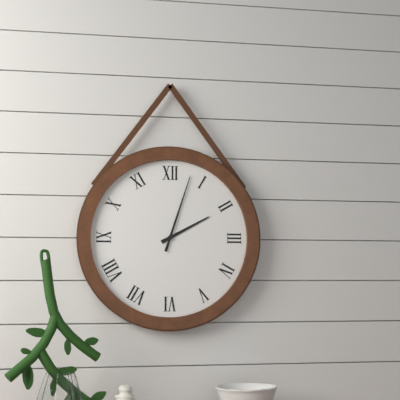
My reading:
2 h 03 min
